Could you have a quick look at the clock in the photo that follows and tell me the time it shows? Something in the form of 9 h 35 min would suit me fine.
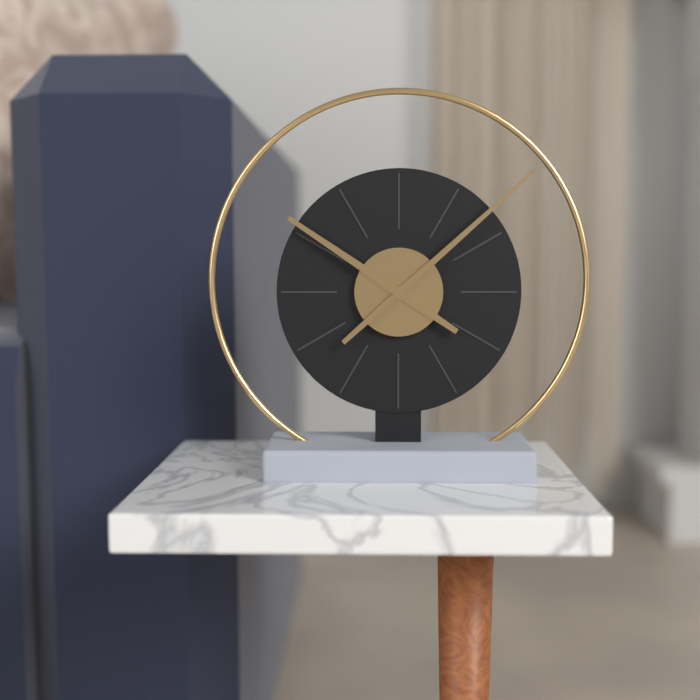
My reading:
10 h 08 min
